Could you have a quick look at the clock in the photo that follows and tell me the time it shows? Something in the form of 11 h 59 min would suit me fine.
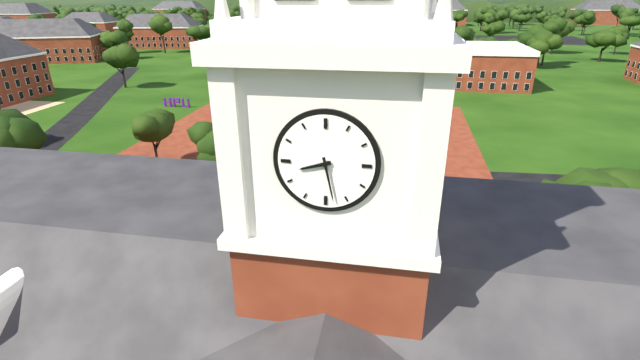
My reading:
8 h 28 min
